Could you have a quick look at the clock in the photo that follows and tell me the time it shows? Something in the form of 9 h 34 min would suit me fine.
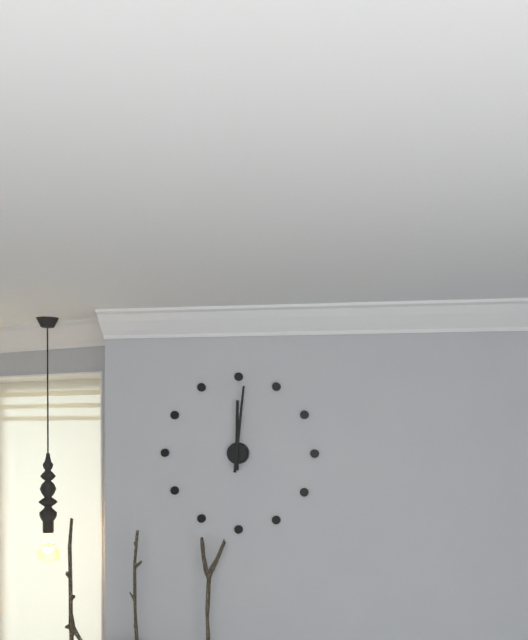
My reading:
12 h 01 min
